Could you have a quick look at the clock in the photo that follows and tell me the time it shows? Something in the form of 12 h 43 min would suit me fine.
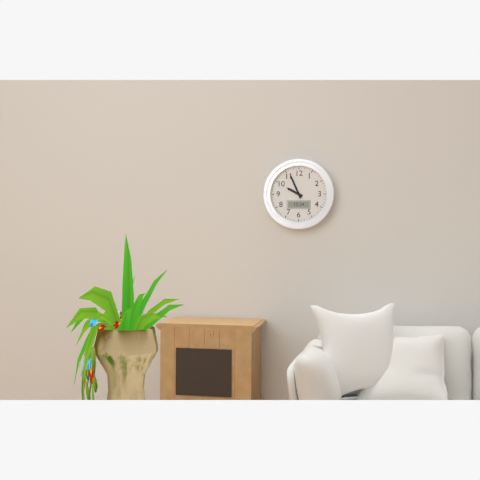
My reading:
9 h 56 min
